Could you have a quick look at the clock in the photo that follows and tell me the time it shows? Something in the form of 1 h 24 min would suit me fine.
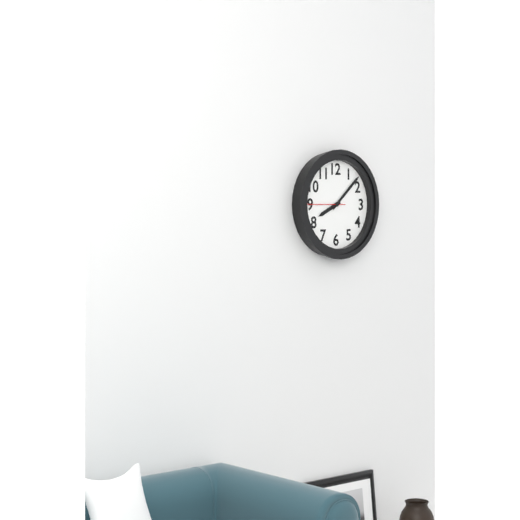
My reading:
8 h 08 min
